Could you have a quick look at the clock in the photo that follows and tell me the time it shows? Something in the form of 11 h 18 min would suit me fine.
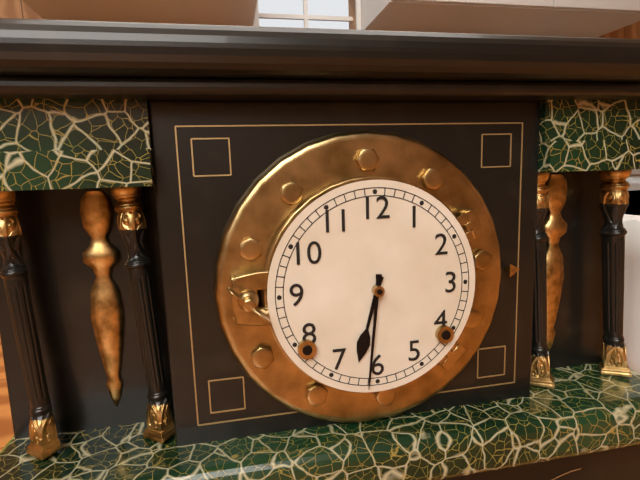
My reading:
6 h 31 min
